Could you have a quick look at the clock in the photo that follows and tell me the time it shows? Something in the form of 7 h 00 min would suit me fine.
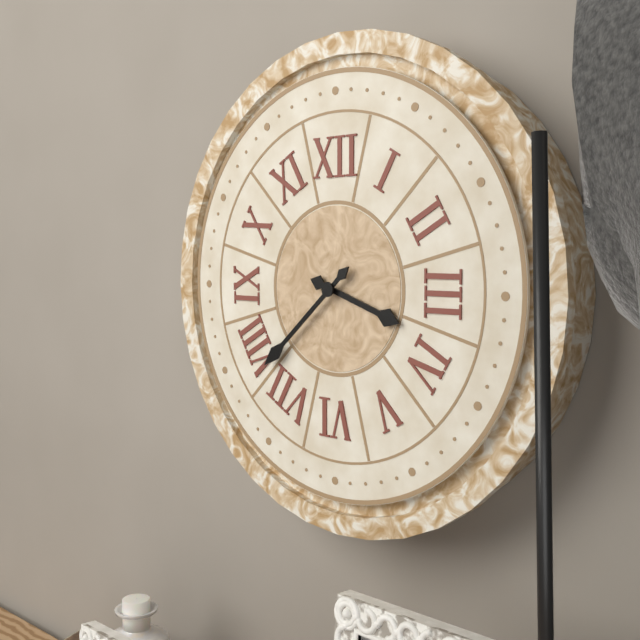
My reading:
3 h 38 min
